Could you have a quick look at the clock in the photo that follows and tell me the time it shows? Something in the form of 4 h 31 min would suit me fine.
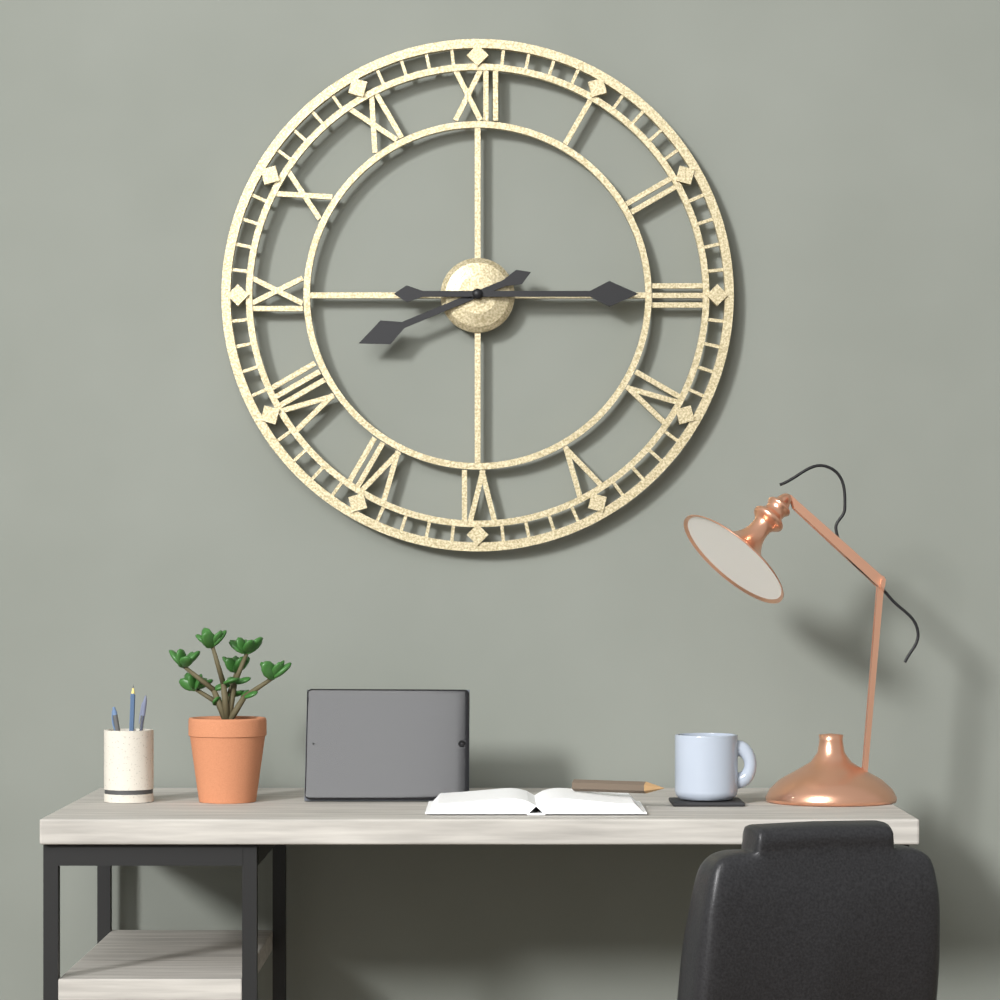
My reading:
8 h 15 min
